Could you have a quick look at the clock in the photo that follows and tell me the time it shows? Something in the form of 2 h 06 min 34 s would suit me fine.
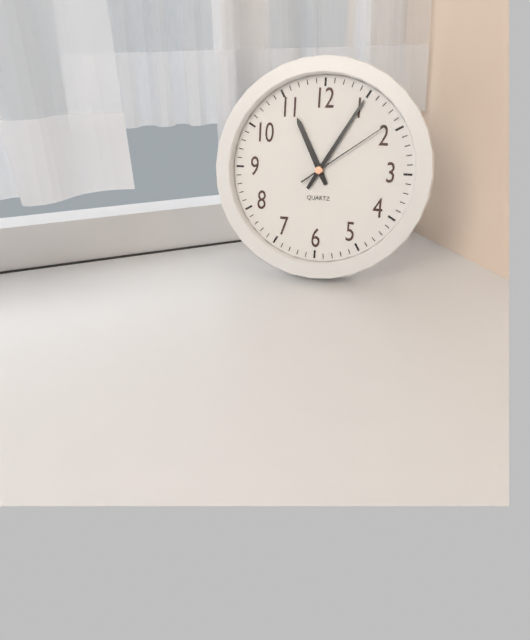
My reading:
11 h 05 min 09 s
